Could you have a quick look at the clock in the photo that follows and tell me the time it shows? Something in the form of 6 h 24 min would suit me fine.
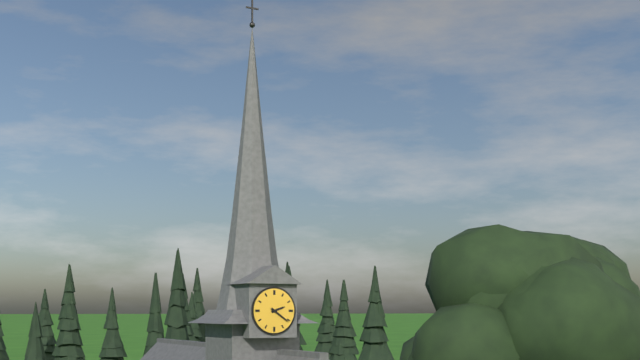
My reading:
2 h 21 min
